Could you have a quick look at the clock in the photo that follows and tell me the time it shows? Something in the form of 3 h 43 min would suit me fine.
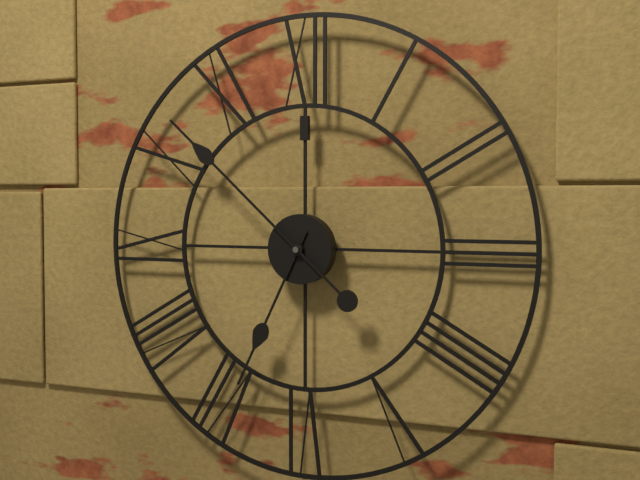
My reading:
6 h 52 min
